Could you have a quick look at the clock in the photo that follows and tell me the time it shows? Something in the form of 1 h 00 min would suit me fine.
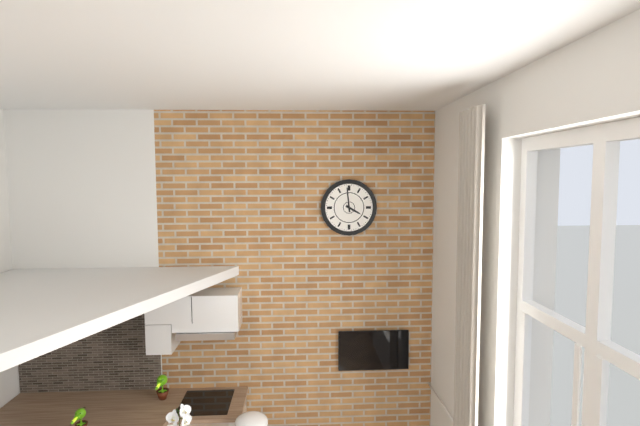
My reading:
3 h 59 min
